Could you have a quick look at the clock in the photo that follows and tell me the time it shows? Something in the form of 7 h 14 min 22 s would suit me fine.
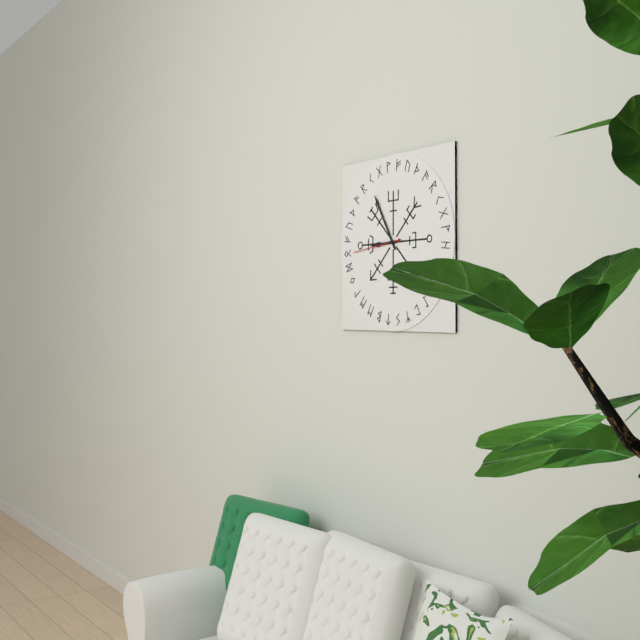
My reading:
8 h 55 min 44 s
